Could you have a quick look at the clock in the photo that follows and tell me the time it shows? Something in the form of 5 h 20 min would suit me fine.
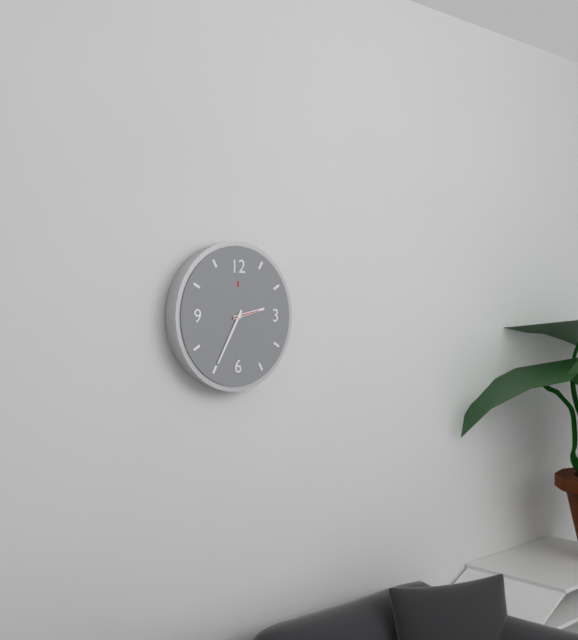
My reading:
2 h 35 min
